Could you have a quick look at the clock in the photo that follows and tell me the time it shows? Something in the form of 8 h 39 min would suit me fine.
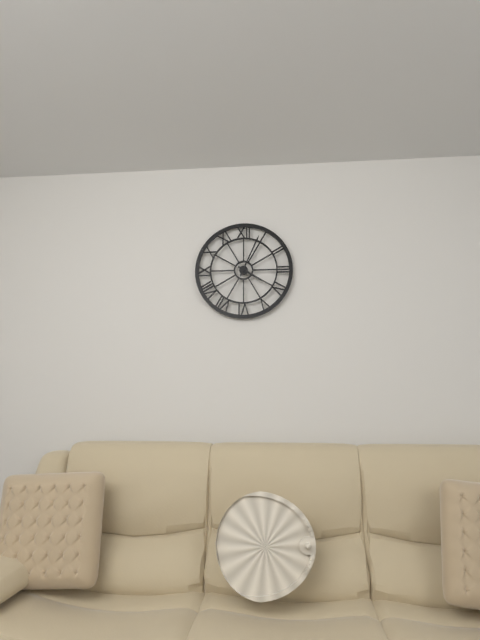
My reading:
4 h 04 min
